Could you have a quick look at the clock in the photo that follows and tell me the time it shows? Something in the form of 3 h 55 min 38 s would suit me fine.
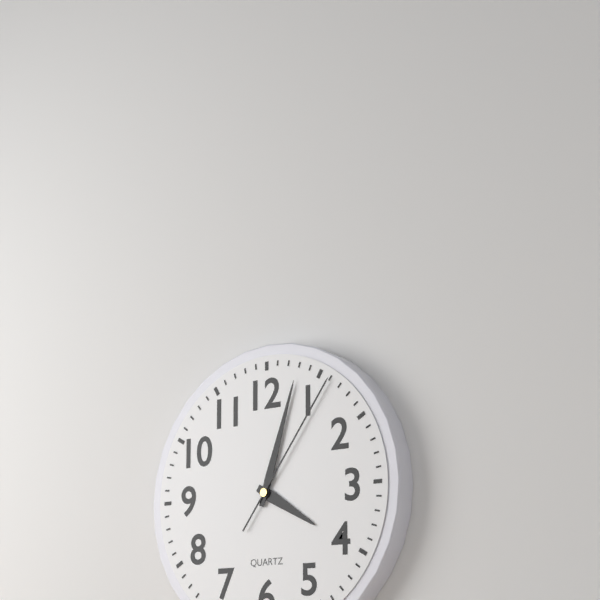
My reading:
4 h 03 min 06 s
